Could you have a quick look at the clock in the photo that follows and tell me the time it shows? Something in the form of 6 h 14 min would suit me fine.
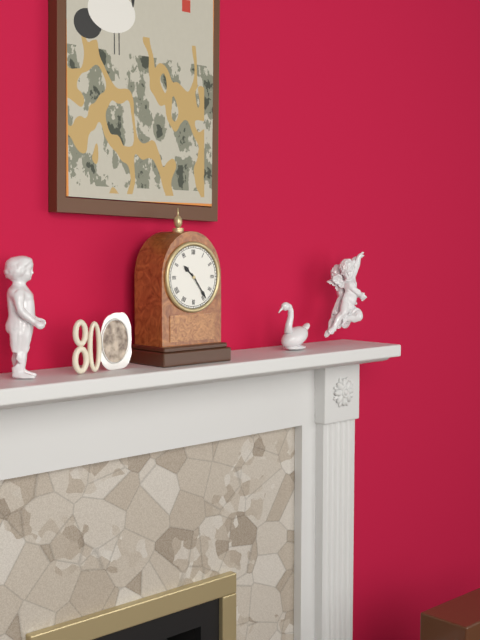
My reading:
10 h 24 min
